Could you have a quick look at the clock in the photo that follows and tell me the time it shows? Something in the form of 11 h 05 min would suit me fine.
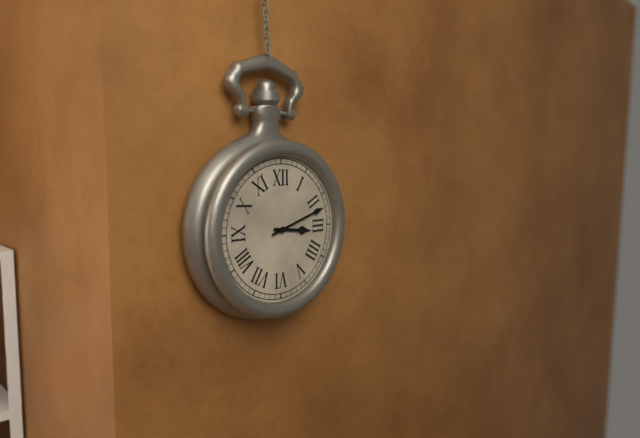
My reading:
3 h 12 min
